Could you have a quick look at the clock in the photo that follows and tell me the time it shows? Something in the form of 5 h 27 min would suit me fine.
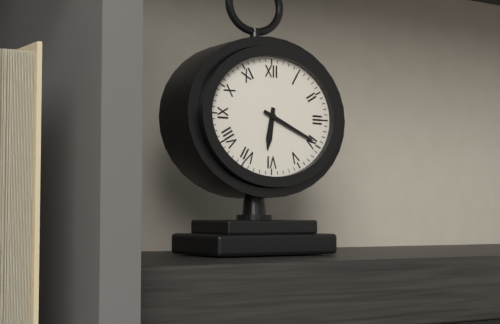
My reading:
6 h 19 min
